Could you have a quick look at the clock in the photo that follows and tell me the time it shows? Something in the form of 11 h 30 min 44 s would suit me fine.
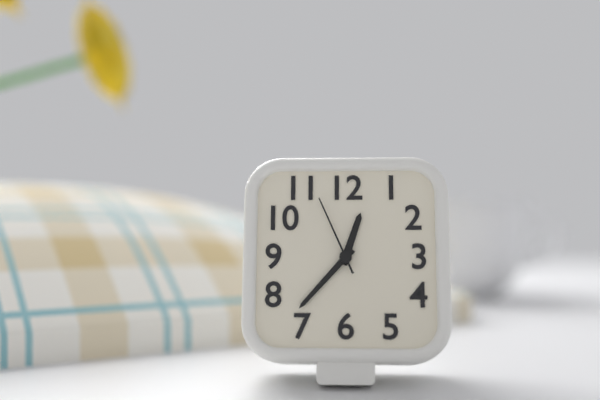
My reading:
12 h 37 min 56 s
